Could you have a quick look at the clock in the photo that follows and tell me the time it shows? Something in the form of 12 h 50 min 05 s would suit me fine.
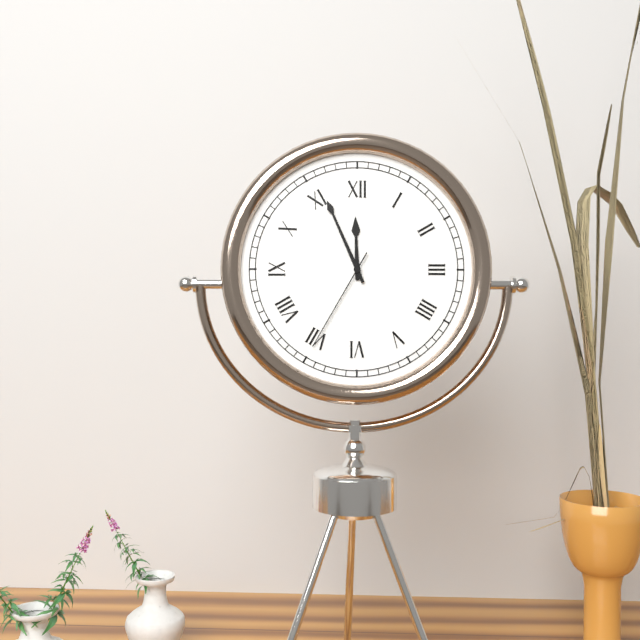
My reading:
11 h 56 min 35 s
